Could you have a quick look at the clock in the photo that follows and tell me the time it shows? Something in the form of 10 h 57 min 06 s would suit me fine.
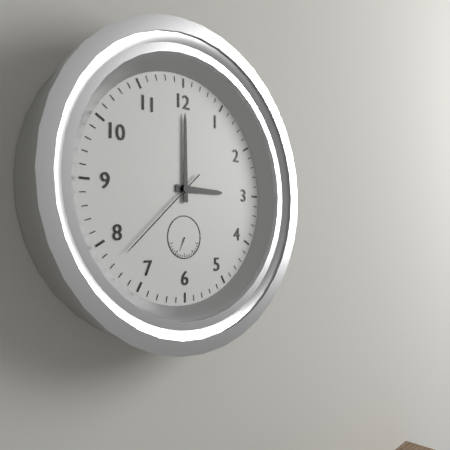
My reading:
3 h 00 min 38 s
